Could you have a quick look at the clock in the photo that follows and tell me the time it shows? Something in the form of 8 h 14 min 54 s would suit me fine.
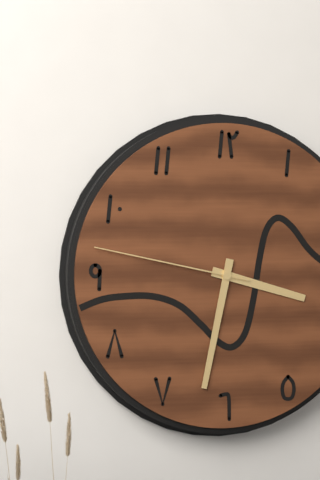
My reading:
3 h 32 min 47 s
